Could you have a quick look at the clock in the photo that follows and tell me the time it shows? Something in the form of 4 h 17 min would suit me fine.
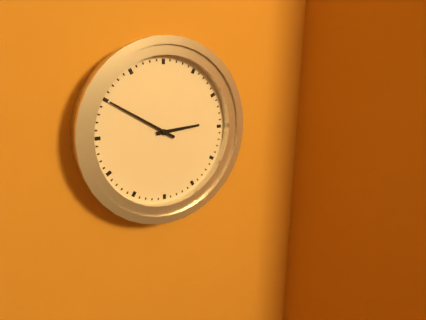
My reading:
2 h 50 min
